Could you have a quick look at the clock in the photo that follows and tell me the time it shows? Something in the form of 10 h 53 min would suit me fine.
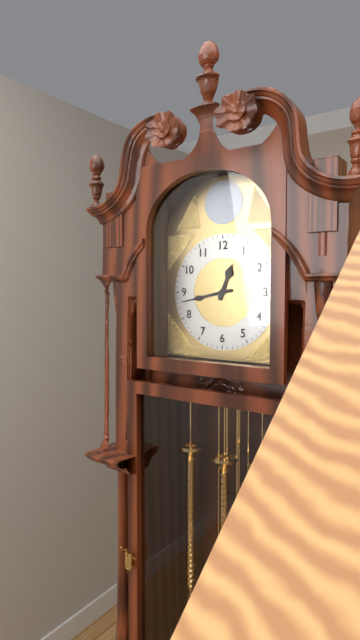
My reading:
12 h 43 min
